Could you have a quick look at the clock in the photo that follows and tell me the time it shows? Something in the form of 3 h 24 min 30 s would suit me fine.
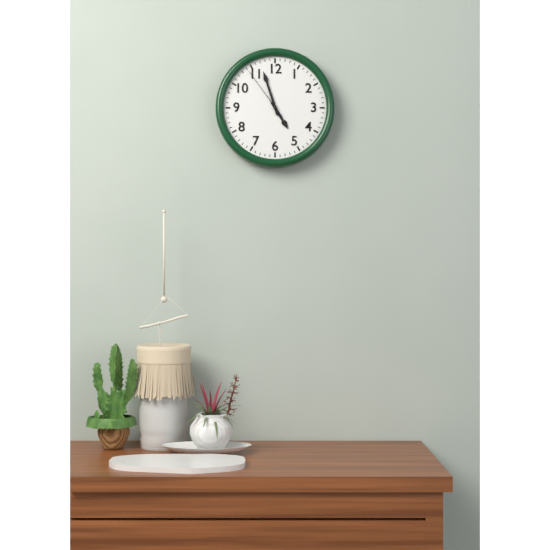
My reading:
4 h 57 min 54 s
